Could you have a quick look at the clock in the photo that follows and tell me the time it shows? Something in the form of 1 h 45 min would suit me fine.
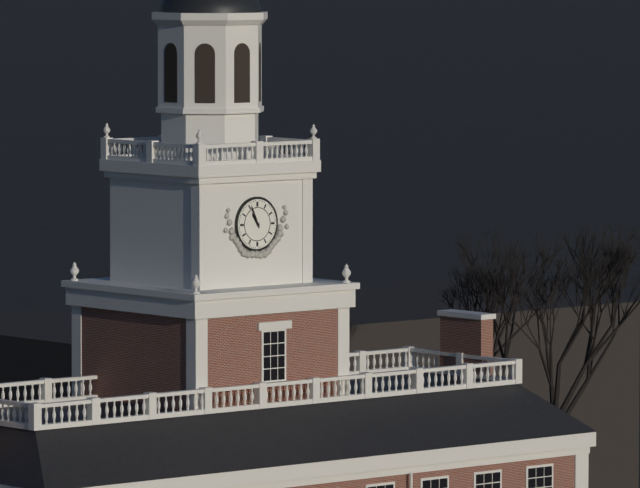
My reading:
10 h 56 min
